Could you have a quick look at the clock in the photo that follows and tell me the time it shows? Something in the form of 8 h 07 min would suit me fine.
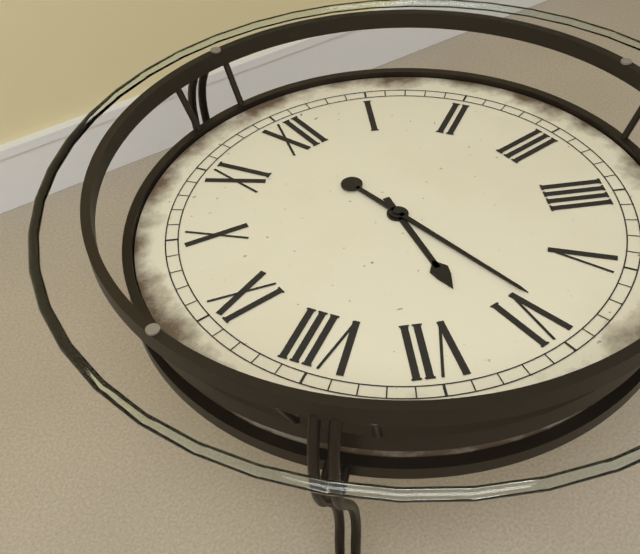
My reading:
6 h 29 min
